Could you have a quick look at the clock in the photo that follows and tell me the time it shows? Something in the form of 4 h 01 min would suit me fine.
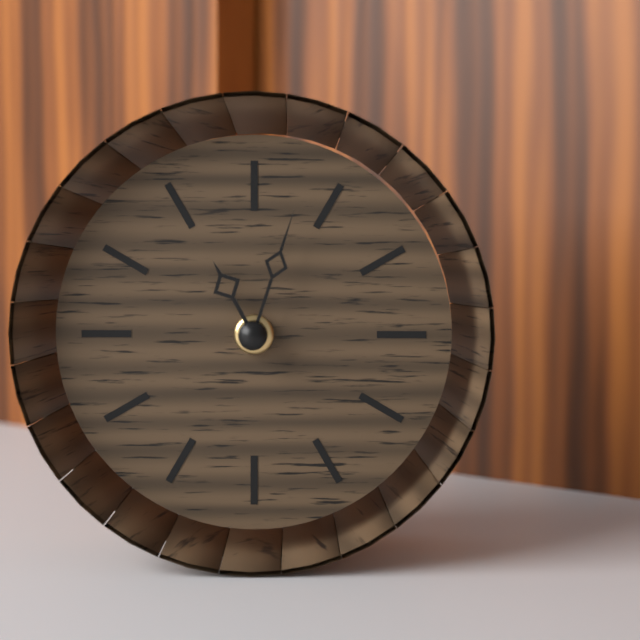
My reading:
11 h 03 min
